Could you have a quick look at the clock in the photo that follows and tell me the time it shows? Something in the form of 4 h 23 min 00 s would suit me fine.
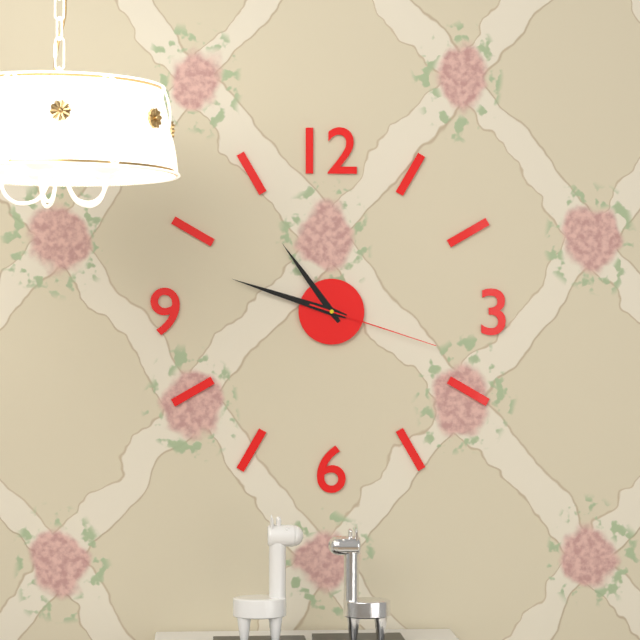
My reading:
10 h 48 min 18 s
